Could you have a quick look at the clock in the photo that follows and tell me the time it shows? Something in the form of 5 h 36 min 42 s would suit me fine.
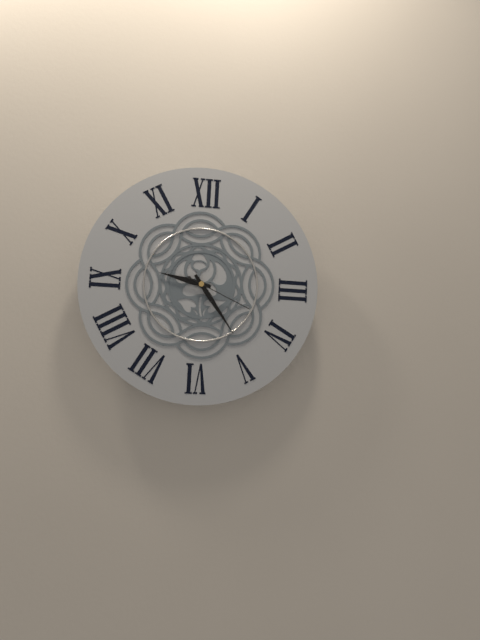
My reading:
9 h 24 min 19 s
